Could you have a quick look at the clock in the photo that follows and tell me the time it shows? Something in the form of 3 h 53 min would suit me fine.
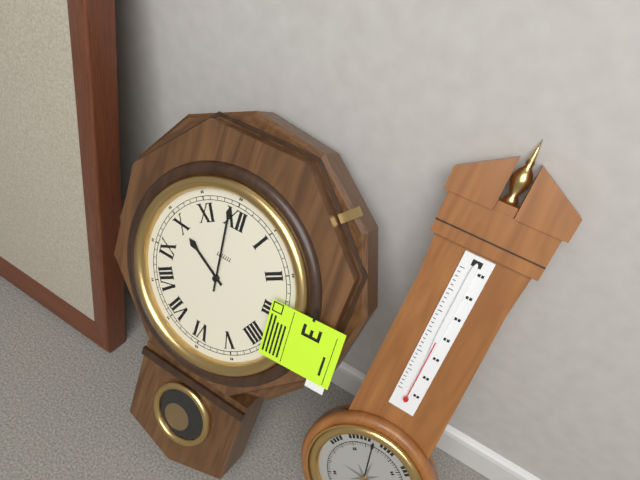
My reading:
9 h 59 min
